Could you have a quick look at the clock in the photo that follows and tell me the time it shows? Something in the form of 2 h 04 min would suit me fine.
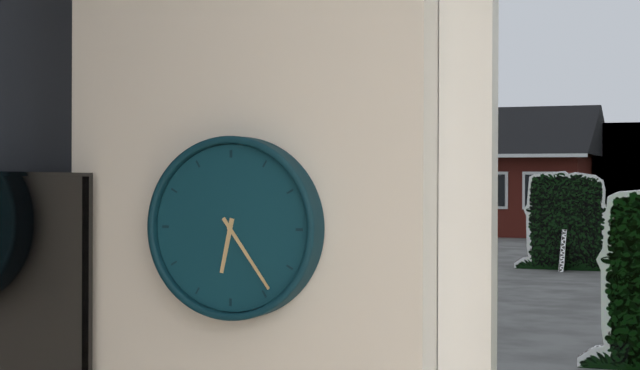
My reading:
6 h 24 min
